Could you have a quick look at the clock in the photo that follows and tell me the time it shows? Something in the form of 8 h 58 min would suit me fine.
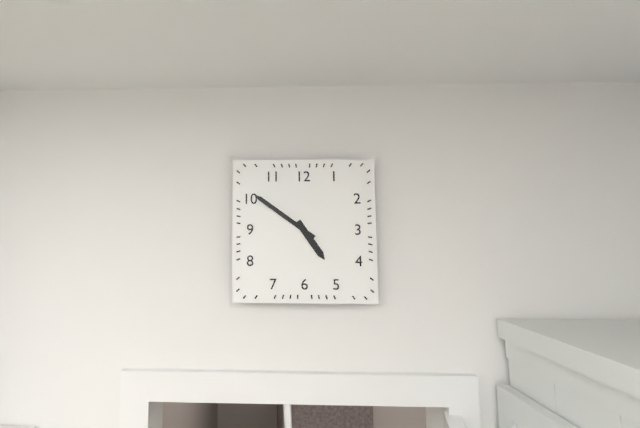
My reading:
4 h 51 min
